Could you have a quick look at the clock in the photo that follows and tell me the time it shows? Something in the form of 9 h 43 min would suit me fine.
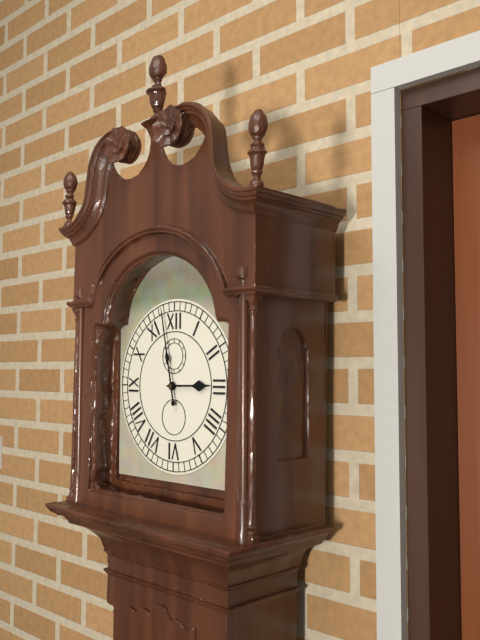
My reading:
2 h 58 min
